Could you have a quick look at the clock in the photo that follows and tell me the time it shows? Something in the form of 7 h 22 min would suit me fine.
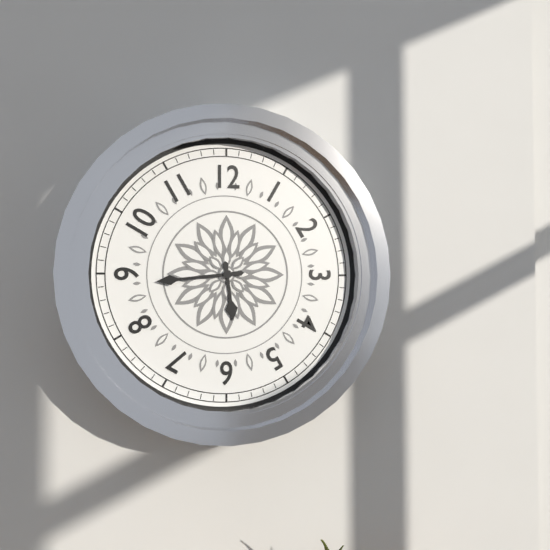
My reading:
5 h 44 min
